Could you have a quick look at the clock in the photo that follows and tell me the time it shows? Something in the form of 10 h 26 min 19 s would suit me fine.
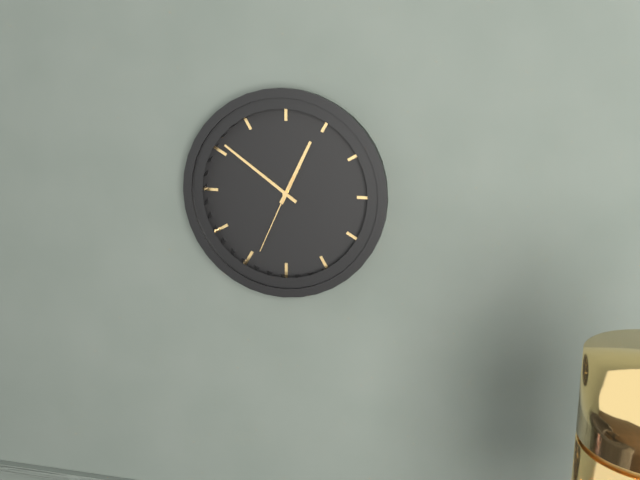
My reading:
12 h 51 min 34 s
